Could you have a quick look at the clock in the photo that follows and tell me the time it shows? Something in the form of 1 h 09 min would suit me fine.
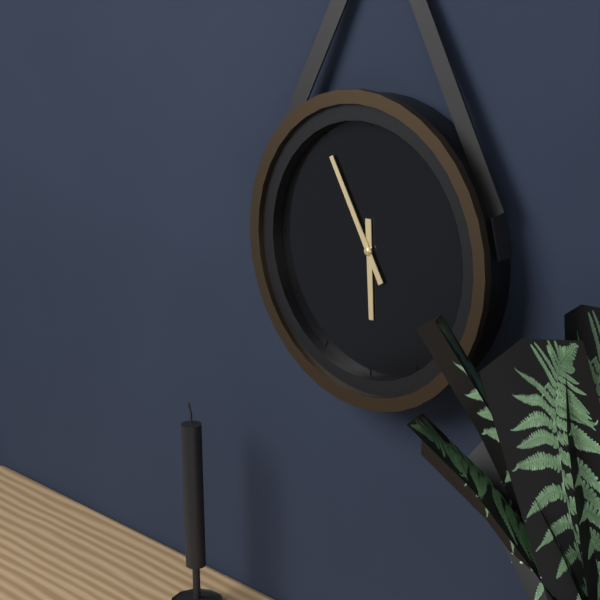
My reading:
5 h 55 min
